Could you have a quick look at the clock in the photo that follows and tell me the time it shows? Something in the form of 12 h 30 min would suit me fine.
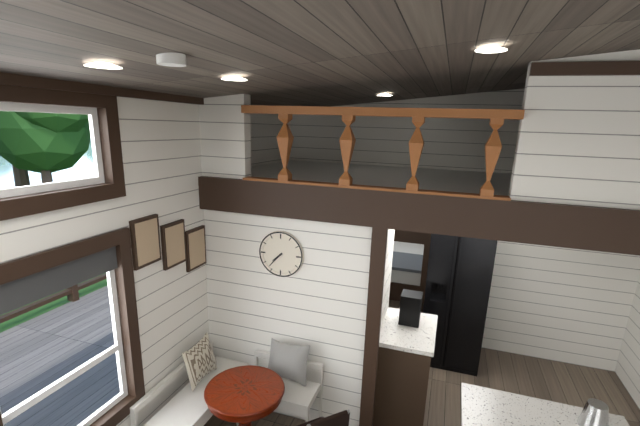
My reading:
7 h 37 min
